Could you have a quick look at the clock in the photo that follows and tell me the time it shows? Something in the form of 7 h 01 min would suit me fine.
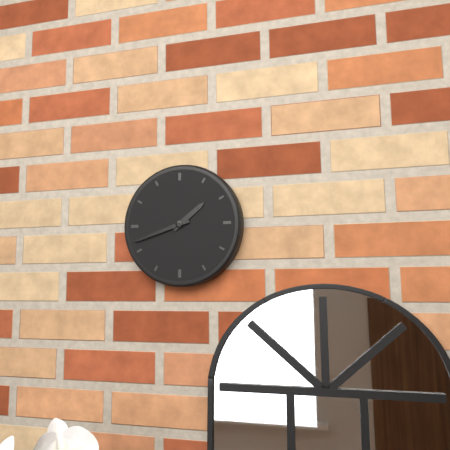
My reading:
1 h 42 min
